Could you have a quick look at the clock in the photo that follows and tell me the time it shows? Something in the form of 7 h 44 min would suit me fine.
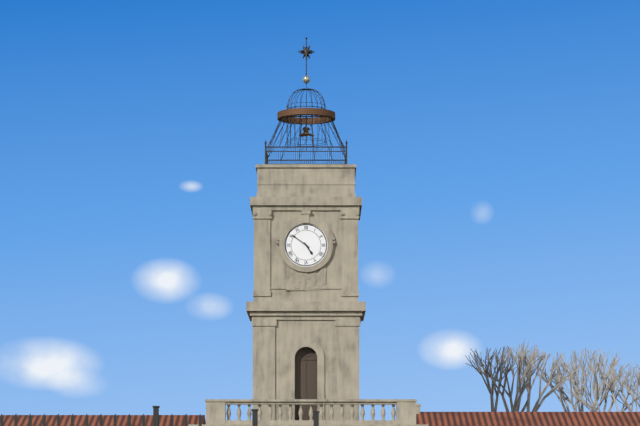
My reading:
4 h 51 min
